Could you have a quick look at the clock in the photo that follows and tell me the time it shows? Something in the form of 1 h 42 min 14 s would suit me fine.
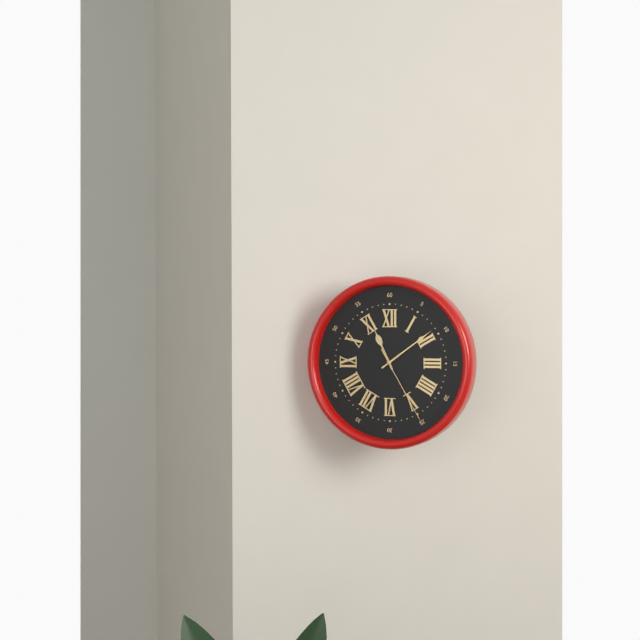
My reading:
11 h 09 min 25 s
